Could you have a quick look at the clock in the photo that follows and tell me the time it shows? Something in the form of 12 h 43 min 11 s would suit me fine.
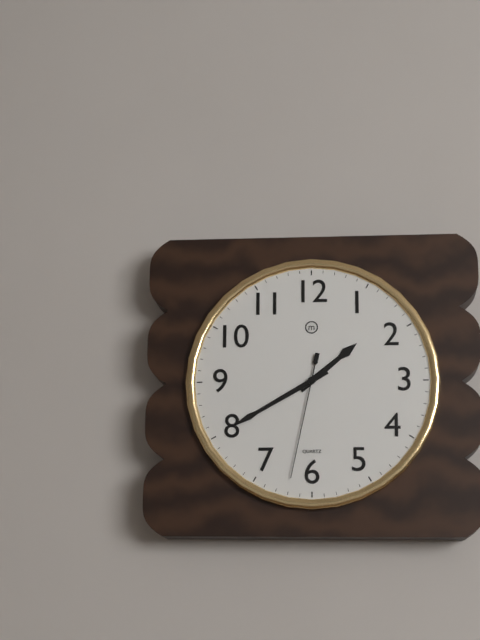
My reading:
1 h 40 min 32 s
